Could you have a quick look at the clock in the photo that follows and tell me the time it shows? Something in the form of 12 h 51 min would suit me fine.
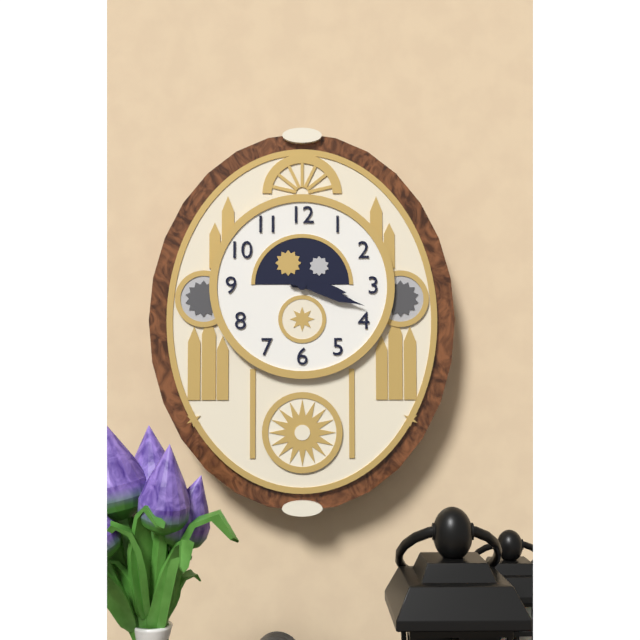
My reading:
3 h 18 min
